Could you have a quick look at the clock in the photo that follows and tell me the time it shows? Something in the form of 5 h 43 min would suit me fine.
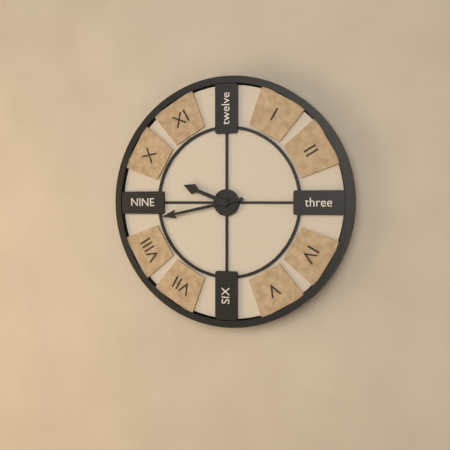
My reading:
9 h 43 min
